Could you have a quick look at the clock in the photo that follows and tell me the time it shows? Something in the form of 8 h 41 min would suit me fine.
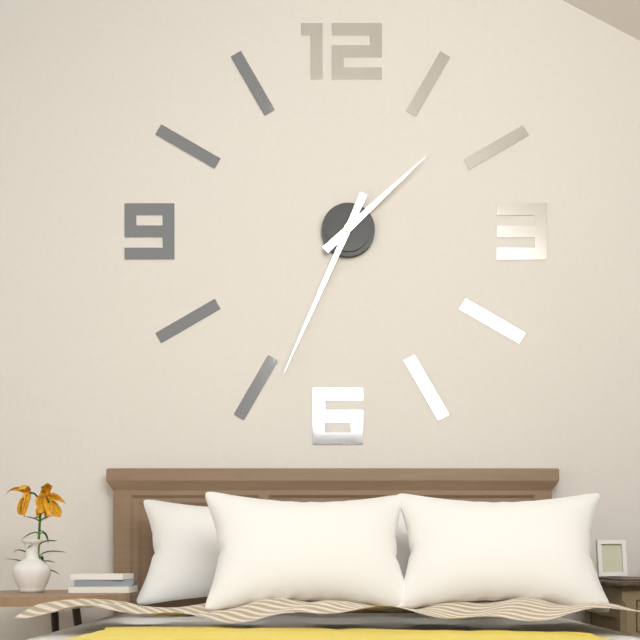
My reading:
1 h 34 min
